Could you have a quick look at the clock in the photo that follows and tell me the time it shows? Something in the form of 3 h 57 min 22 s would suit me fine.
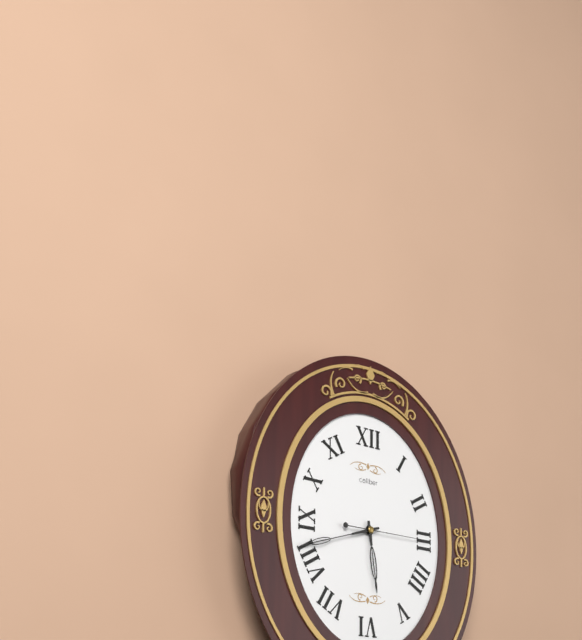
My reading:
5 h 42 min 15 s
